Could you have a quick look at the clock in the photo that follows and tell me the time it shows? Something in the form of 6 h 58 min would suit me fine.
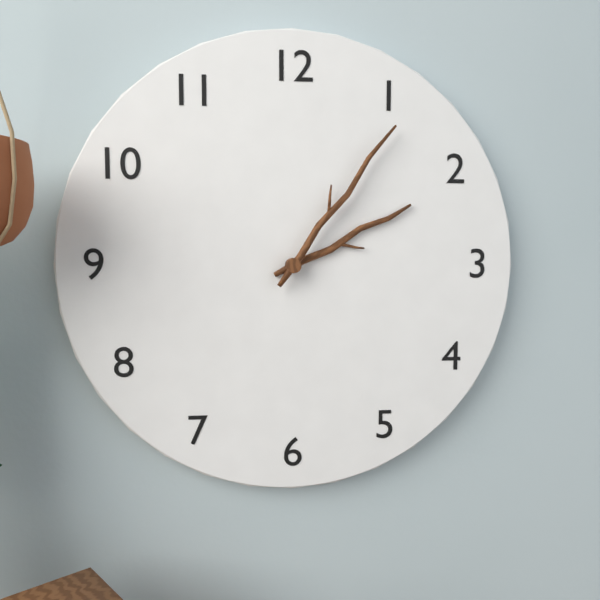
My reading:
2 h 06 min
